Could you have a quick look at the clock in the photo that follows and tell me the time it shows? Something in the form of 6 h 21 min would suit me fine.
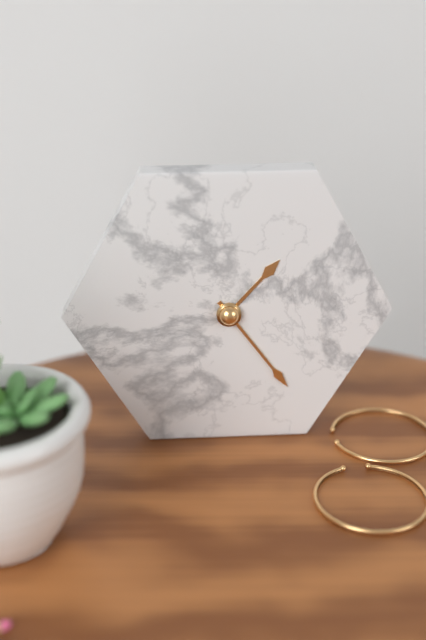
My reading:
1 h 24 min
